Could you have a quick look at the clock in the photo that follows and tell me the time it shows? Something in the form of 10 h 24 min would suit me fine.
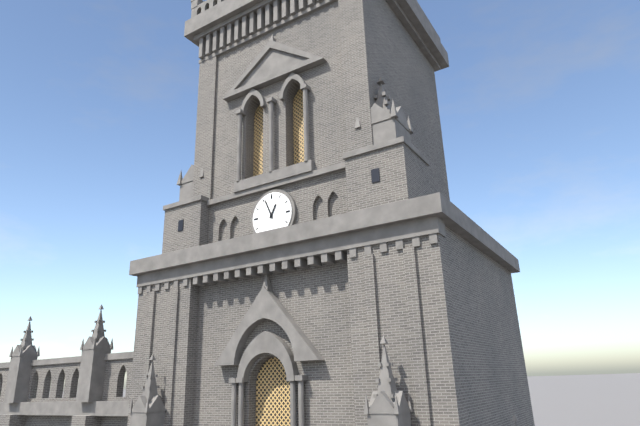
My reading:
12 h 56 min
